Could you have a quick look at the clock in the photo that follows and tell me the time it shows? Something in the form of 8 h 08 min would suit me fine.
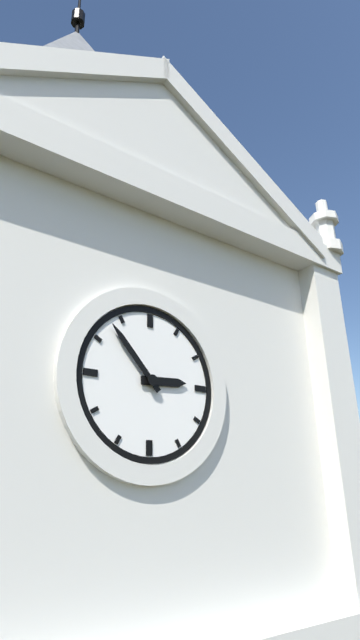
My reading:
2 h 53 min
